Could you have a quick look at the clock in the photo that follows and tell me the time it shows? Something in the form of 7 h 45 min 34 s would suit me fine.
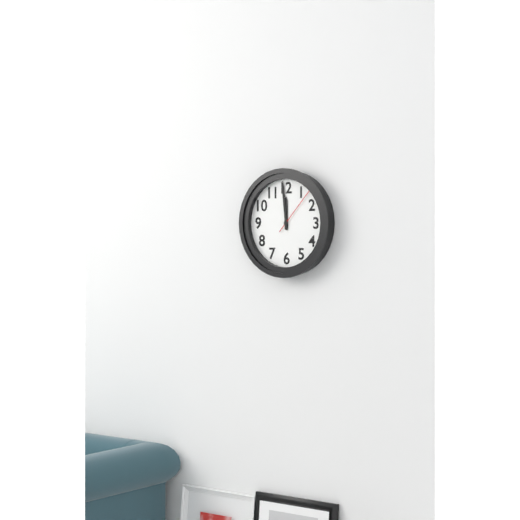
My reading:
11 h 59 min 07 s
